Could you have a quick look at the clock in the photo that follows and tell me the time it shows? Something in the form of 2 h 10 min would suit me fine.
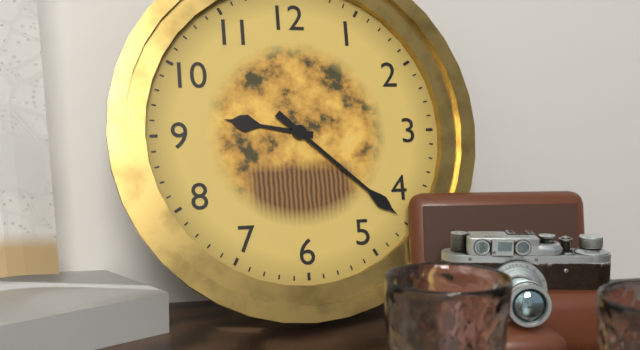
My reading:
9 h 22 min
